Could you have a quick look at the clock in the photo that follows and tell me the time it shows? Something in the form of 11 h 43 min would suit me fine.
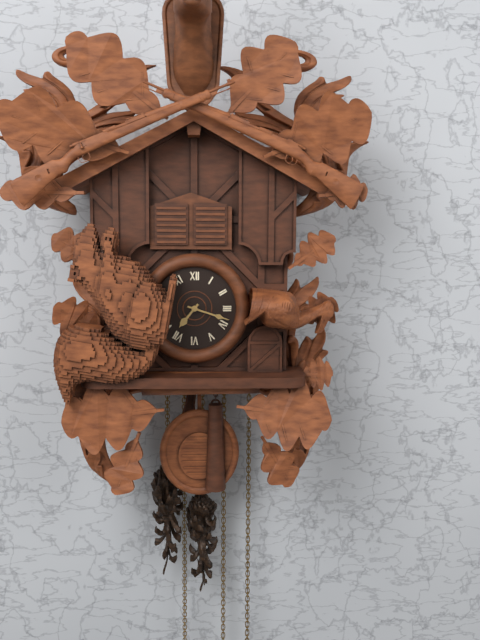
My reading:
7 h 18 min
